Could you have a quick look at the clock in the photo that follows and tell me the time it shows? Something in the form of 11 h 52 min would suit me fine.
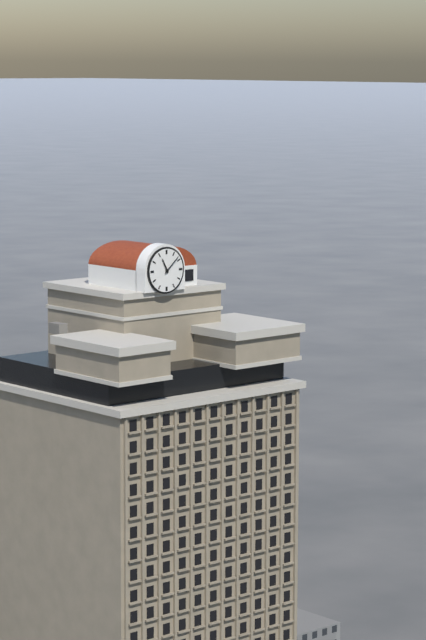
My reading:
11 h 08 min
